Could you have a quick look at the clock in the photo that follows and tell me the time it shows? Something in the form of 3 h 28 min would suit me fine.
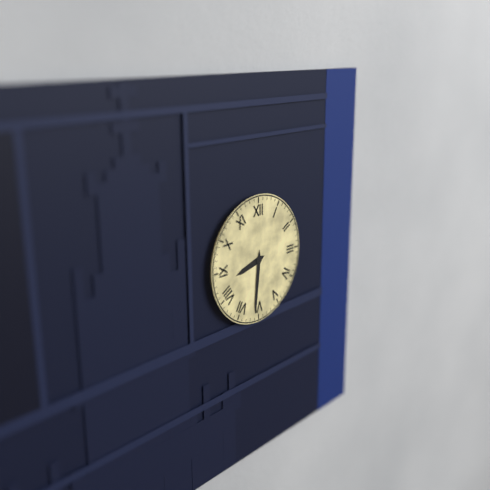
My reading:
8 h 31 min
